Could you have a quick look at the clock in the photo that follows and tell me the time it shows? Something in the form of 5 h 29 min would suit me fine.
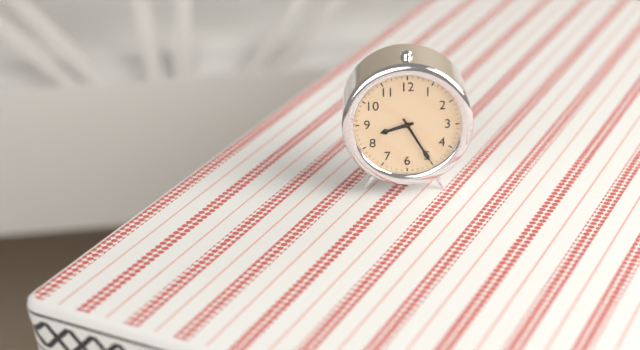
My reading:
8 h 25 min
